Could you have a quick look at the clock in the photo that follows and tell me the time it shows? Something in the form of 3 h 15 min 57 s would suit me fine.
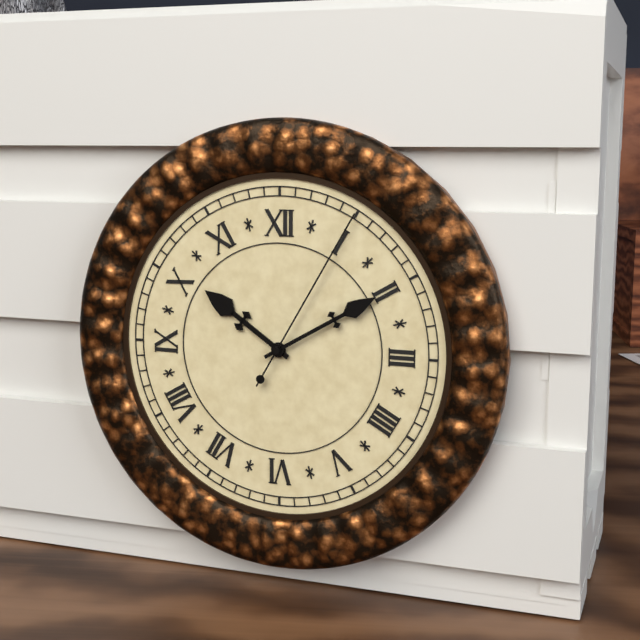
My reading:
10 h 10 min 05 s
